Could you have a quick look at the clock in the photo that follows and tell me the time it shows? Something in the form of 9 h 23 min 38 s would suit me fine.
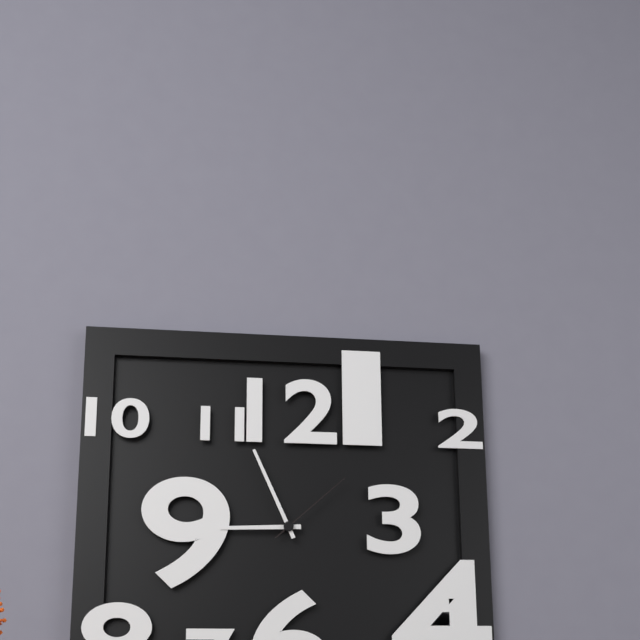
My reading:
8 h 56 min 08 s
